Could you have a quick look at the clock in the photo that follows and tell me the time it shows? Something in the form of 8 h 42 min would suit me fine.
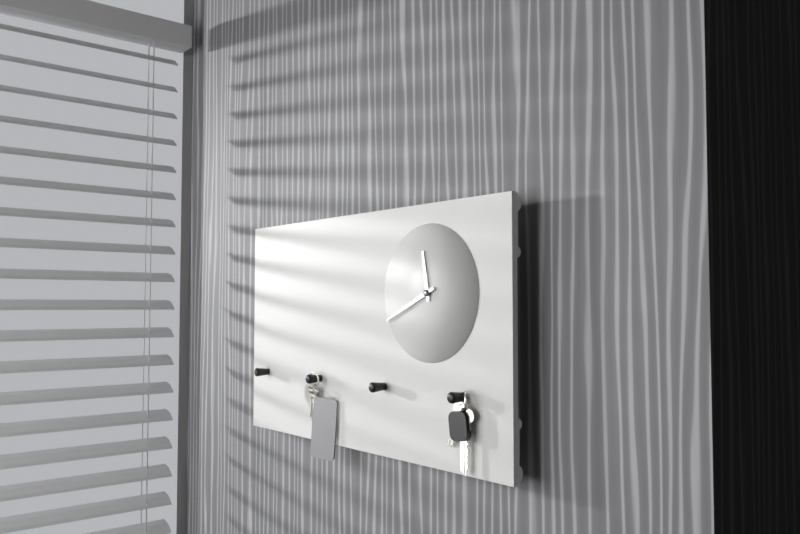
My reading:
11 h 41 min
